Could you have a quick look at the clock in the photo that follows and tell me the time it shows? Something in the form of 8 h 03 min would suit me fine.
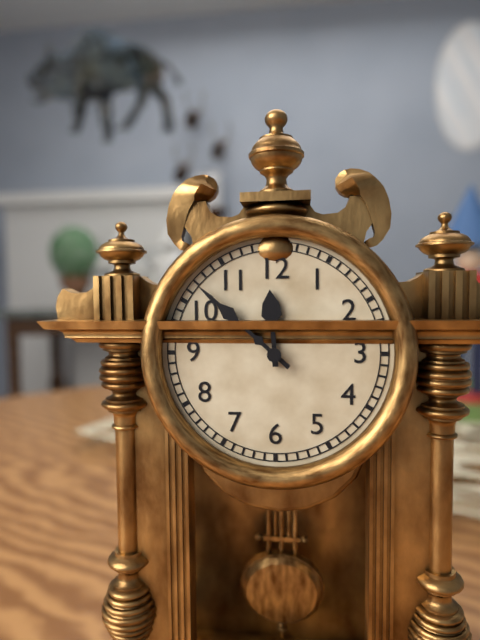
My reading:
11 h 52 min
